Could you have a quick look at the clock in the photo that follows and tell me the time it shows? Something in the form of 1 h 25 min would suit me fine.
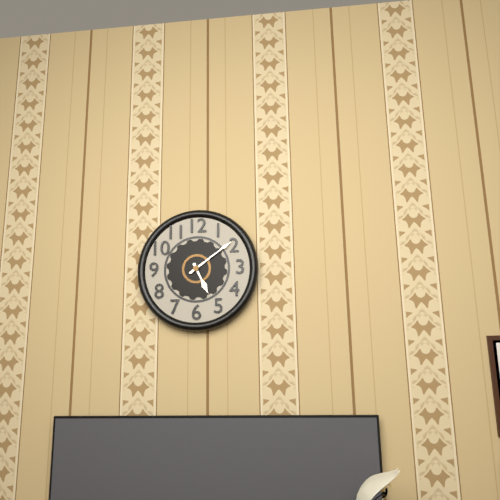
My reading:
5 h 09 min
